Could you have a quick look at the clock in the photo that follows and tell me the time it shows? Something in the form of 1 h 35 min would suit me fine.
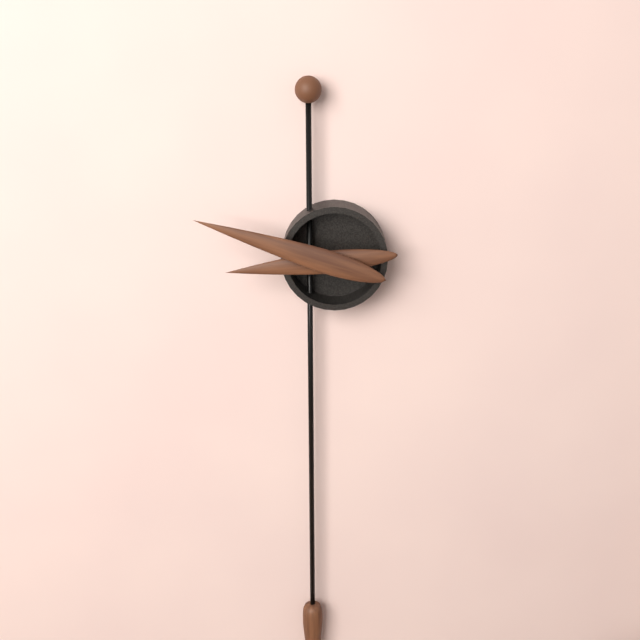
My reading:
8 h 48 min
